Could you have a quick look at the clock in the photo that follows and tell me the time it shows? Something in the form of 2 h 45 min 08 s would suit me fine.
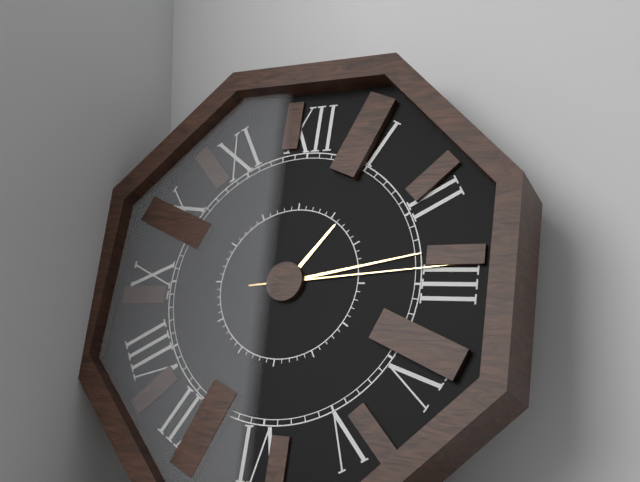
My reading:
1 h 13 min 14 s
